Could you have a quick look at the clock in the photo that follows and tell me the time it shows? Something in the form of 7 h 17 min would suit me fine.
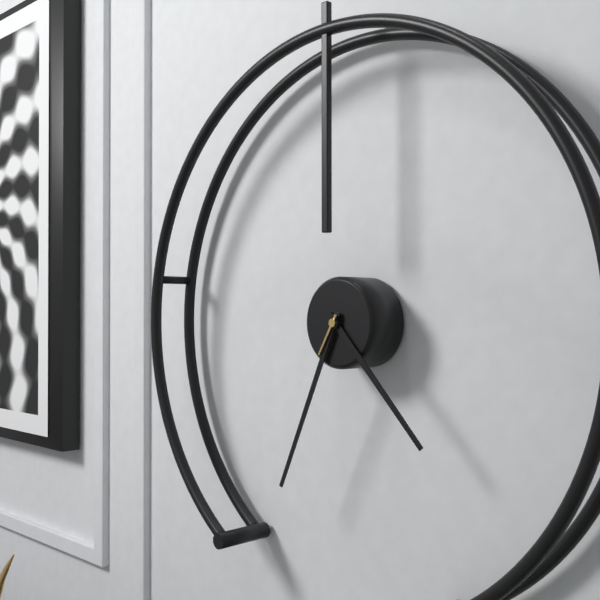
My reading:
4 h 34 min
